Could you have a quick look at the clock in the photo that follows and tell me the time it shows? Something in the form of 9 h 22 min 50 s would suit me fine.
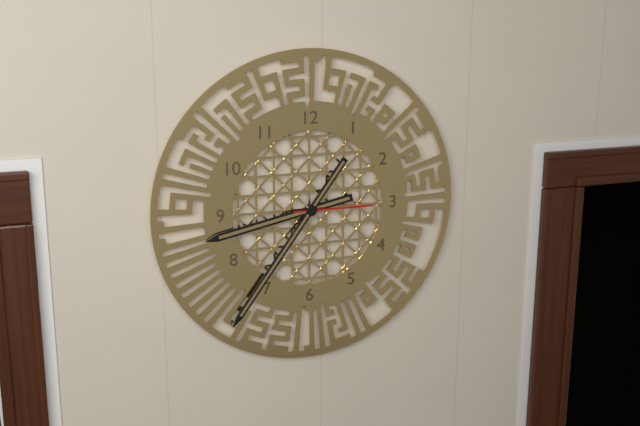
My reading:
8 h 36 min 15 s
